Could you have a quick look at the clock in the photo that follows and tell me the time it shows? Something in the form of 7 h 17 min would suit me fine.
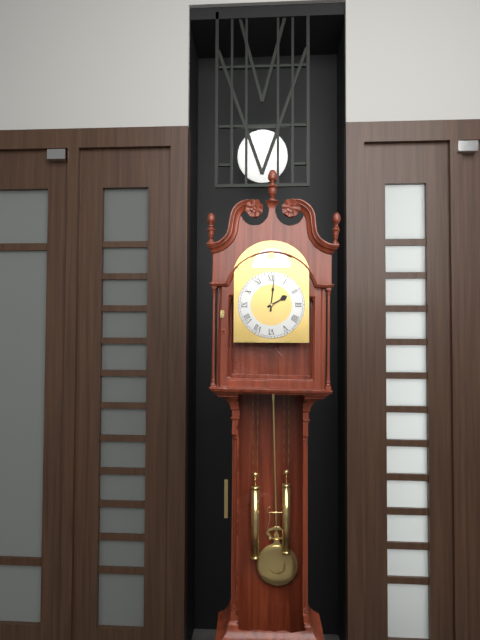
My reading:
2 h 01 min
